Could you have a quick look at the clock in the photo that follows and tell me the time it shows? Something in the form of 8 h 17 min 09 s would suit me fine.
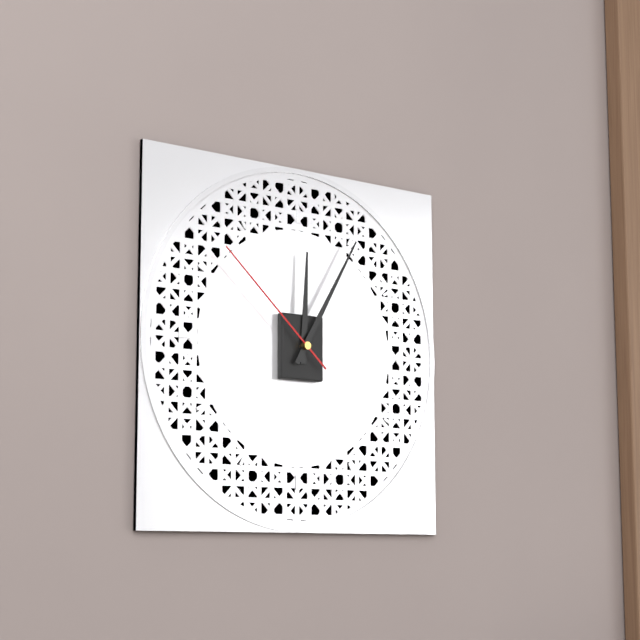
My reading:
12 h 05 min 52 s
